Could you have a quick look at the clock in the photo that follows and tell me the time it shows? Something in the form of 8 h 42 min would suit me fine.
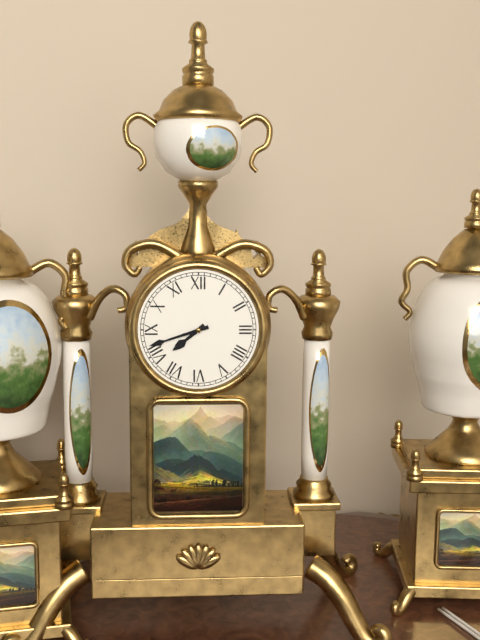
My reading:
7 h 42 min
